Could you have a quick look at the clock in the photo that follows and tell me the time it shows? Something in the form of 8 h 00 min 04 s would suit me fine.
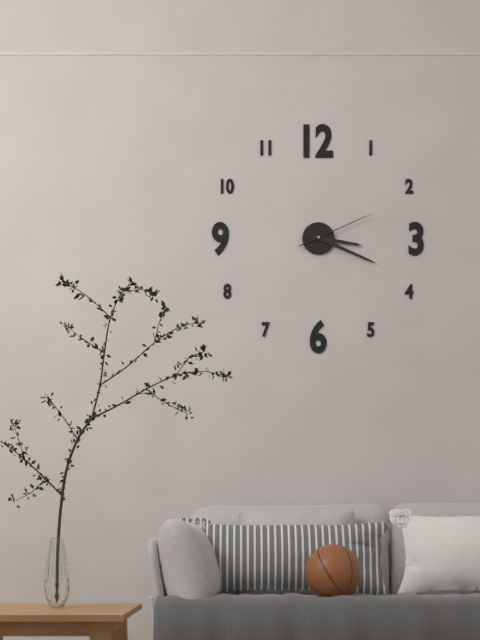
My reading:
3 h 19 min 11 s
